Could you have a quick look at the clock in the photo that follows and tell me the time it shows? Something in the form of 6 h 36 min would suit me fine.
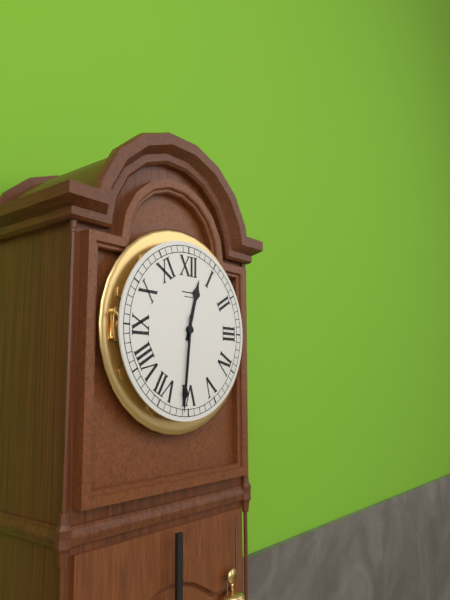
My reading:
12 h 31 min
